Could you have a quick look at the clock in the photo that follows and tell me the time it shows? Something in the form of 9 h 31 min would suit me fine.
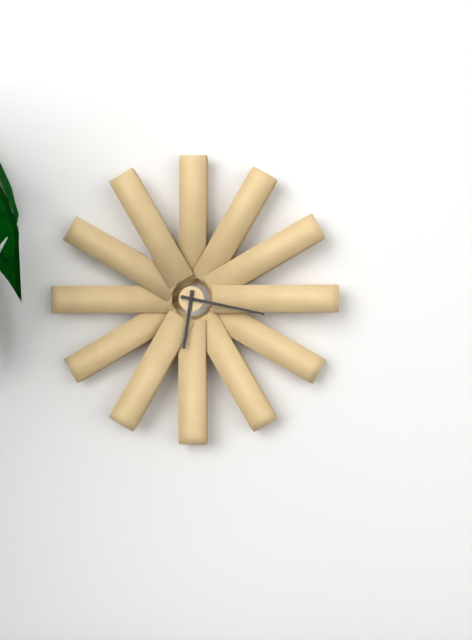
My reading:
6 h 17 min
